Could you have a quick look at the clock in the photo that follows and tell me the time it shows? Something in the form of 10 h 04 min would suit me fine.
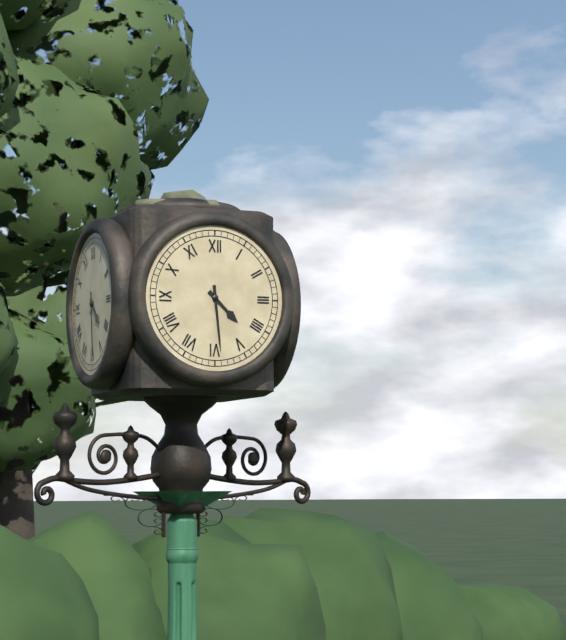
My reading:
4 h 29 min
